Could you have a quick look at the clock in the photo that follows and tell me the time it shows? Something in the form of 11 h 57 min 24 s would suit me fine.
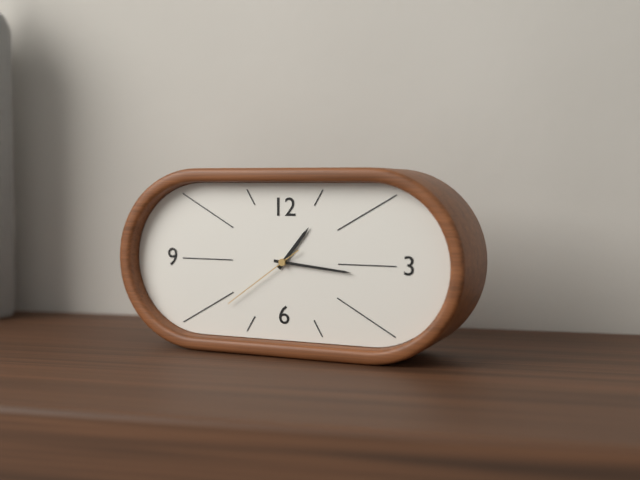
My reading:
1 h 16 min 39 s
